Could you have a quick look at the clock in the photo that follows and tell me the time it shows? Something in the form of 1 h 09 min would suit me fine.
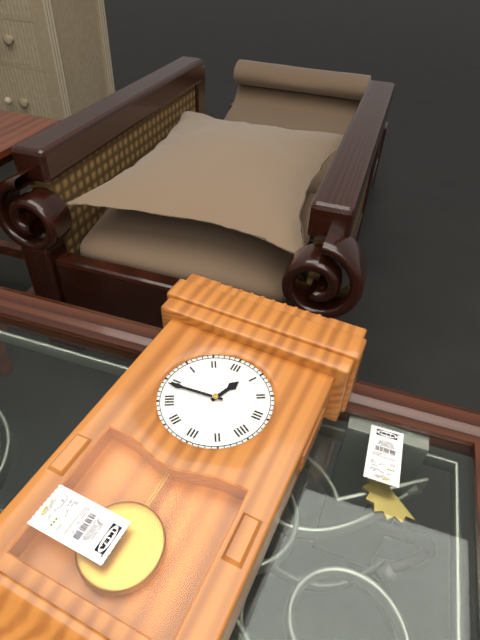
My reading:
12 h 44 min
